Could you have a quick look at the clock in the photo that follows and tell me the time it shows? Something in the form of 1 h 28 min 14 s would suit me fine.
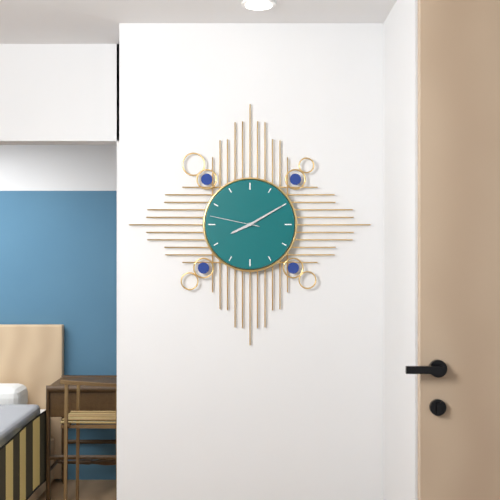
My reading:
8 h 10 min 47 s
